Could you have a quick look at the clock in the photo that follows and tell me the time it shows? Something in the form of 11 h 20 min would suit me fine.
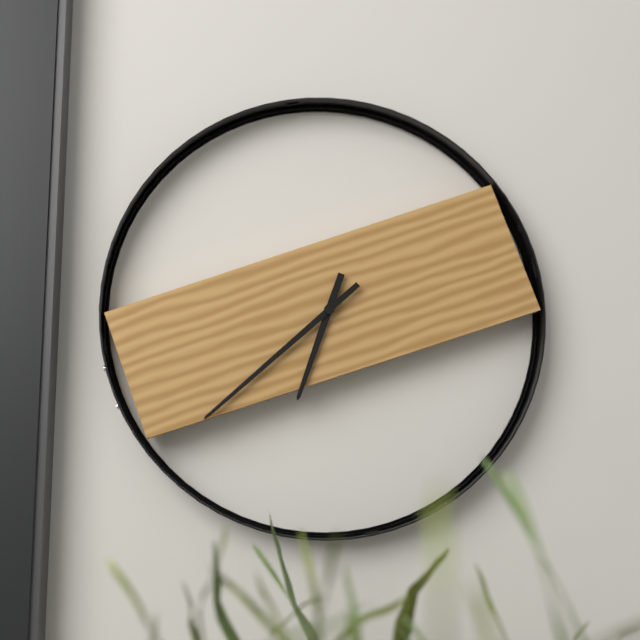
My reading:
6 h 38 min
